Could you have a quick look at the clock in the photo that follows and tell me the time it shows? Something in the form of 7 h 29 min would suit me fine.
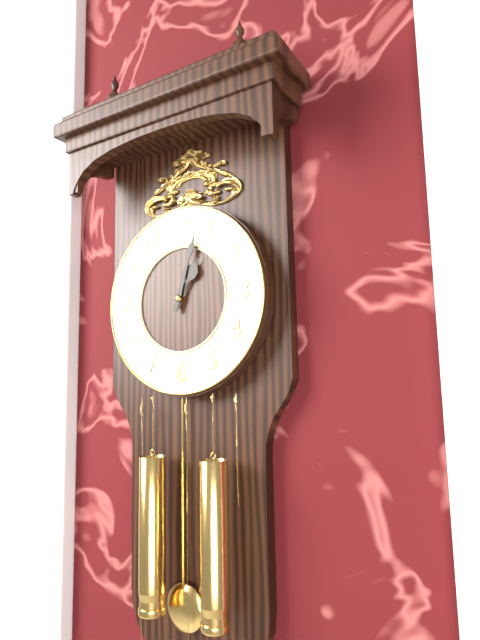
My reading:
1 h 03 min
